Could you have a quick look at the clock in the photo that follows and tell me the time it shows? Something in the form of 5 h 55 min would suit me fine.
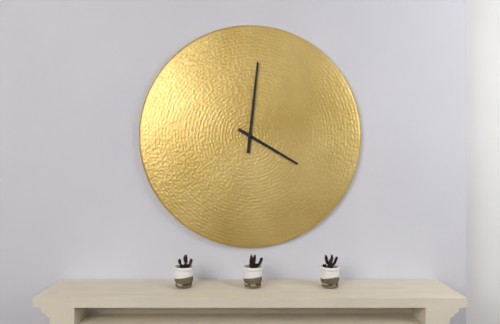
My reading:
4 h 01 min
